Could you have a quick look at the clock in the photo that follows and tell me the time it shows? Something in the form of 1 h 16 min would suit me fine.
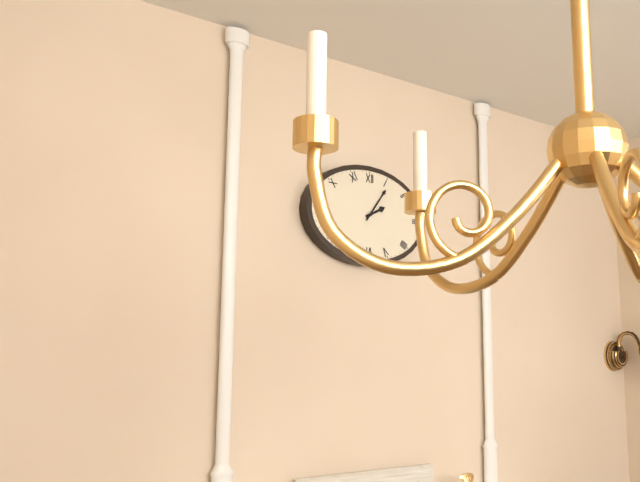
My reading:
2 h 06 min
